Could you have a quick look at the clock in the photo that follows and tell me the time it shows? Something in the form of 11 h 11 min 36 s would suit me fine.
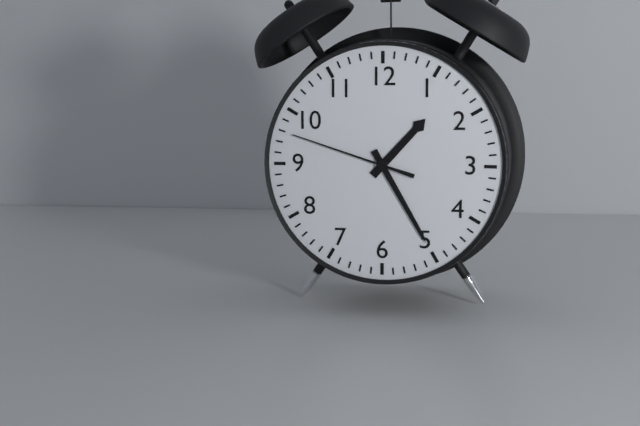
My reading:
1 h 25 min 48 s
